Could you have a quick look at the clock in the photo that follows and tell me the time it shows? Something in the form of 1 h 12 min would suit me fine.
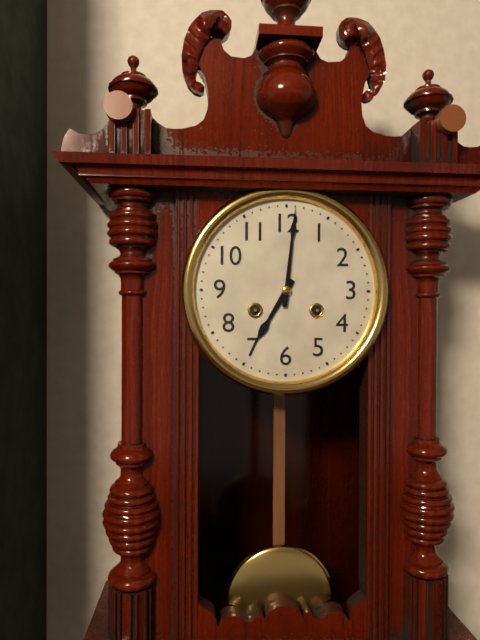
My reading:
7 h 01 min
